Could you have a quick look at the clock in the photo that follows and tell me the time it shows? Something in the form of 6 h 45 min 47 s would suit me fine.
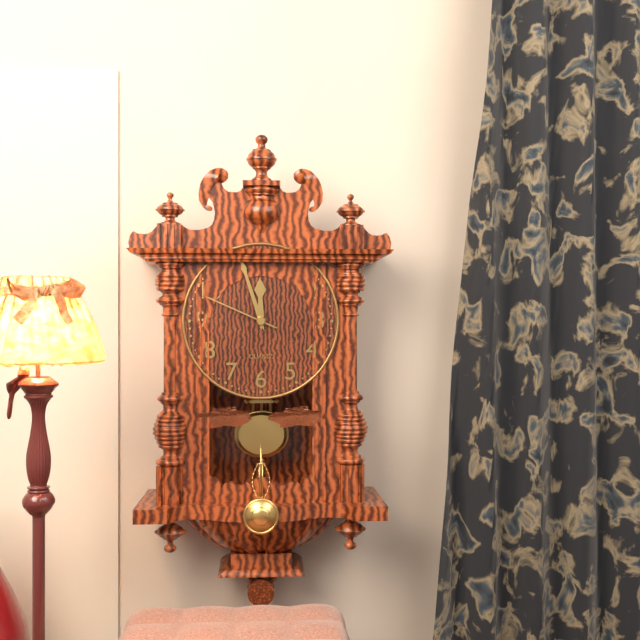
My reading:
11 h 57 min 49 s
